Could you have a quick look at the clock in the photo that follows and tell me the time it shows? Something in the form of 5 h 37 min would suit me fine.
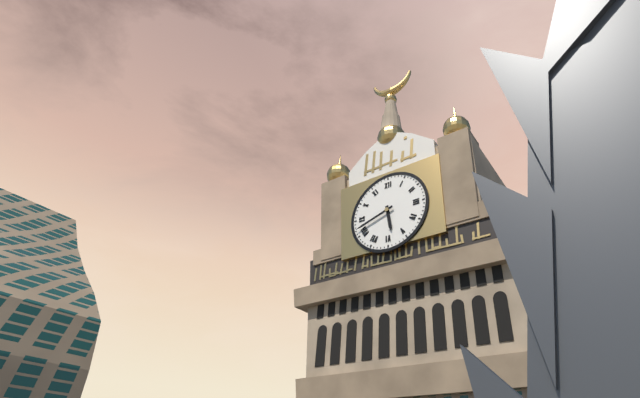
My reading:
5 h 42 min
